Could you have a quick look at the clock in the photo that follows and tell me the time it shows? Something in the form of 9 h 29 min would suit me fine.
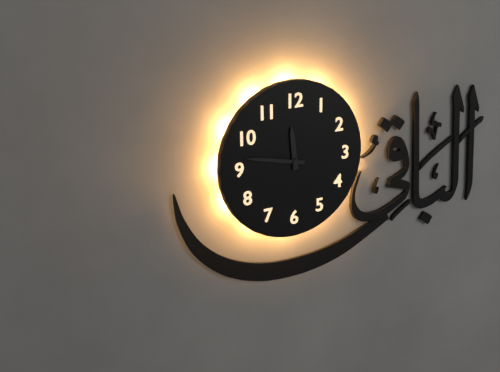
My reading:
11 h 47 min
